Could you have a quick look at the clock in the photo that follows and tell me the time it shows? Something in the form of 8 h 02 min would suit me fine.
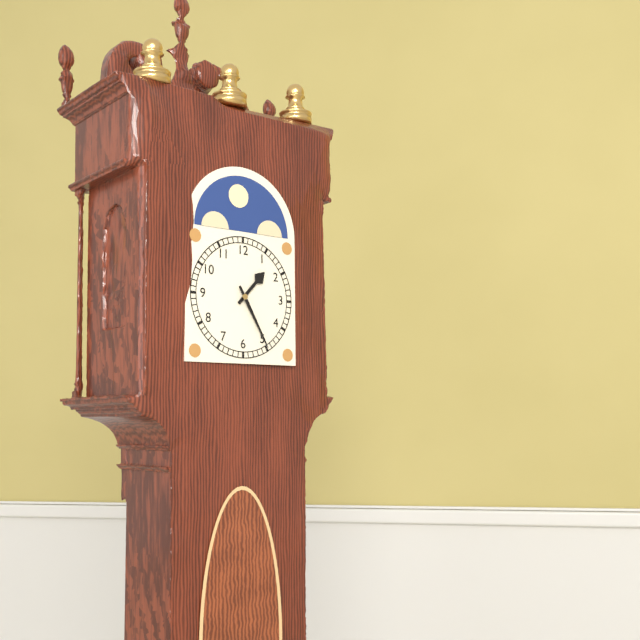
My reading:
1 h 25 min
